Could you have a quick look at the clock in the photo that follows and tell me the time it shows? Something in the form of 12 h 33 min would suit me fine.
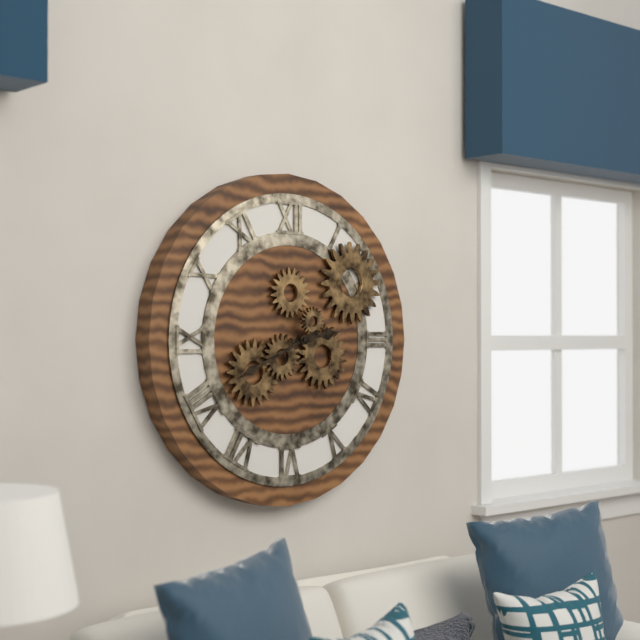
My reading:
2 h 41 min
